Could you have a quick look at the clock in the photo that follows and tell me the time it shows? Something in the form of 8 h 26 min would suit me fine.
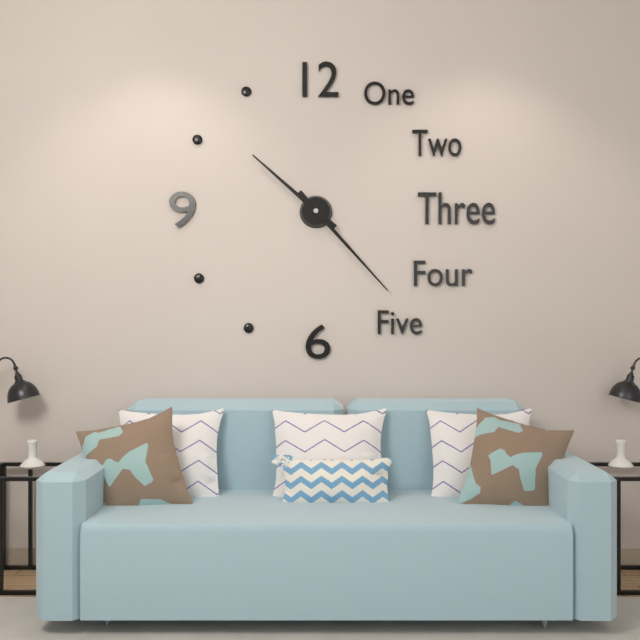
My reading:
10 h 23 min
